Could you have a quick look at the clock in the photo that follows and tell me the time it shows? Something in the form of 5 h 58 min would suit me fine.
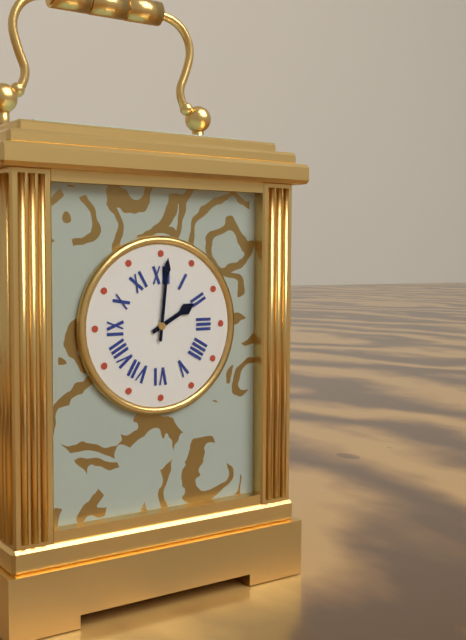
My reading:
2 h 01 min
